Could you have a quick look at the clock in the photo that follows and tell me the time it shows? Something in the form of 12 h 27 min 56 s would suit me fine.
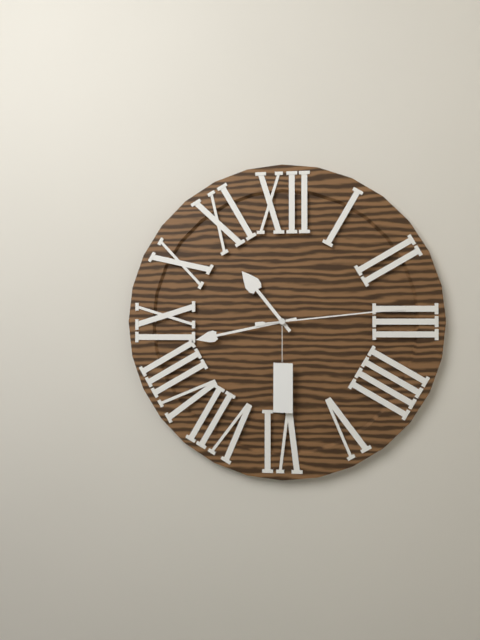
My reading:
10 h 43 min 14 s
